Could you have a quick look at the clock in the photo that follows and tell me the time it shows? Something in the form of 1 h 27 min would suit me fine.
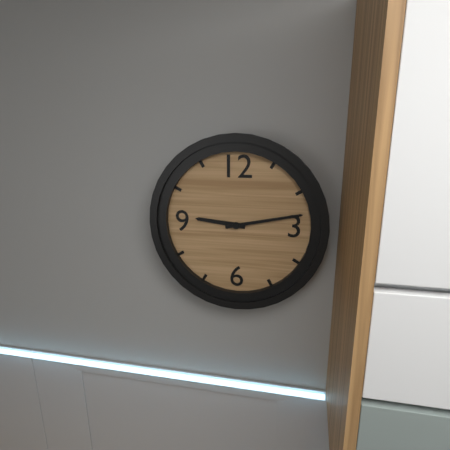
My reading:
9 h 13 min
